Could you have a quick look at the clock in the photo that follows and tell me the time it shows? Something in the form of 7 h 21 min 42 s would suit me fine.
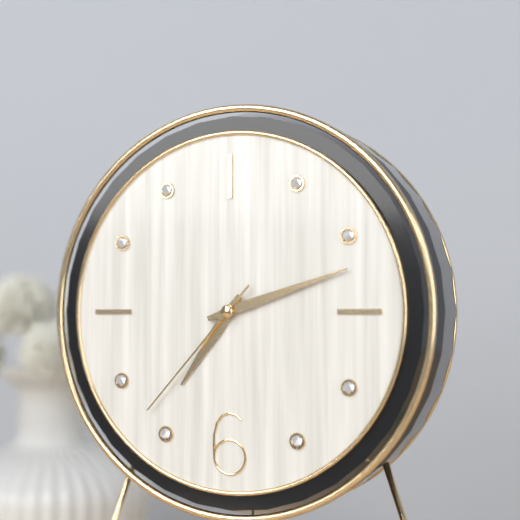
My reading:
7 h 12 min 37 s
